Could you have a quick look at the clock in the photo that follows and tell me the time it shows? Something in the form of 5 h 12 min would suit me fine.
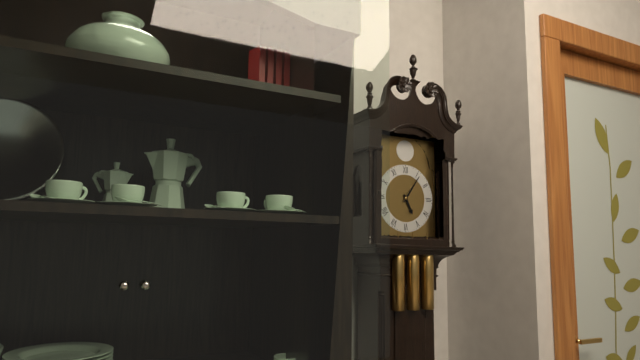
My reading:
5 h 06 min
